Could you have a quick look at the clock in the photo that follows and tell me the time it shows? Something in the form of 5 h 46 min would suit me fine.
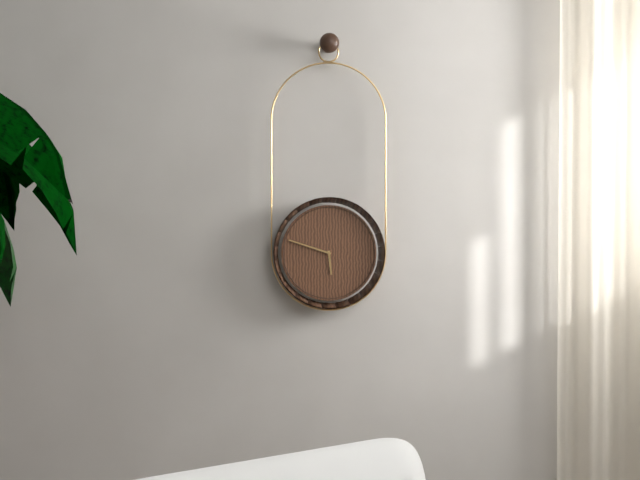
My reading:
5 h 48 min
